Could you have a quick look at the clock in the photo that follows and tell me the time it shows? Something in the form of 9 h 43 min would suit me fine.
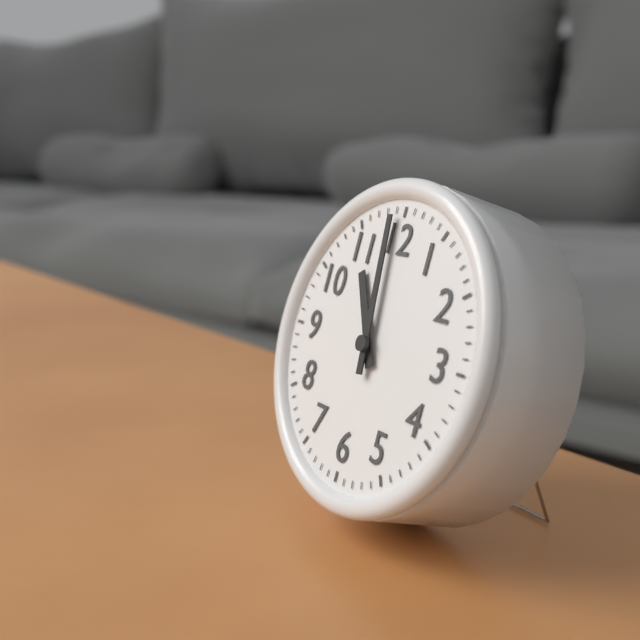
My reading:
10 h 59 min
